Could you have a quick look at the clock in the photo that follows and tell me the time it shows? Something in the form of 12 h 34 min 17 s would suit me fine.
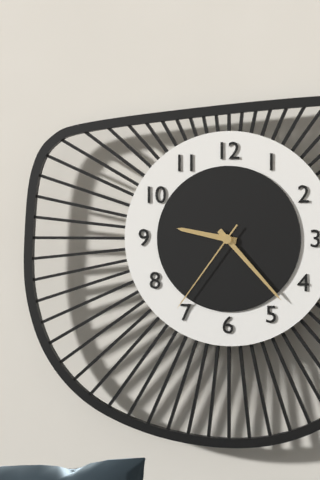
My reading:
9 h 23 min 36 s
